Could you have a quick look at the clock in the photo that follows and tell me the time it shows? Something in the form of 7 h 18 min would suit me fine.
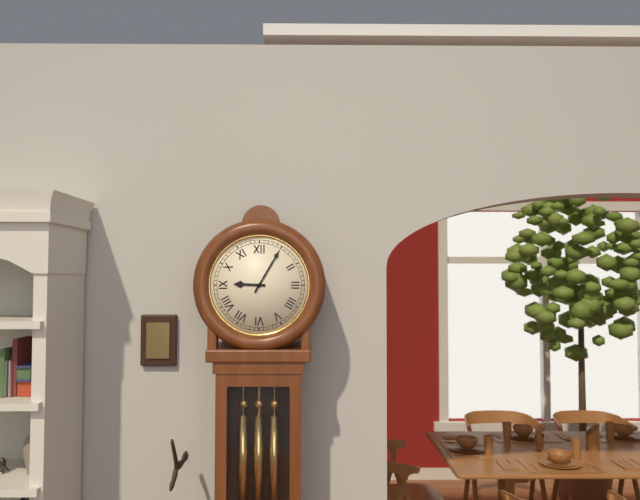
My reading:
9 h 05 min
